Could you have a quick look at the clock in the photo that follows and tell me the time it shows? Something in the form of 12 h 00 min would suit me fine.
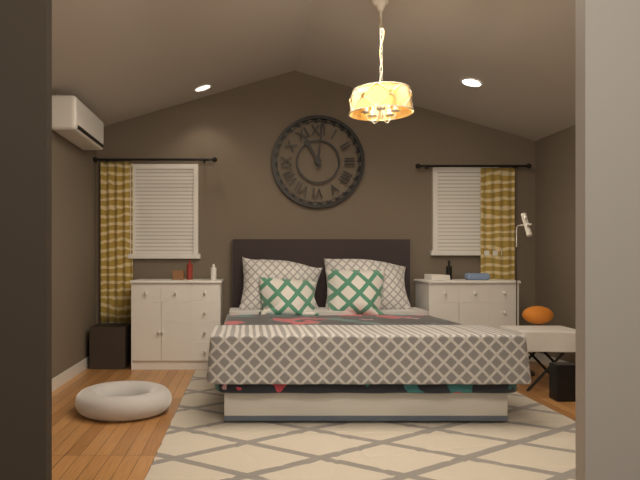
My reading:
11 h 01 min
